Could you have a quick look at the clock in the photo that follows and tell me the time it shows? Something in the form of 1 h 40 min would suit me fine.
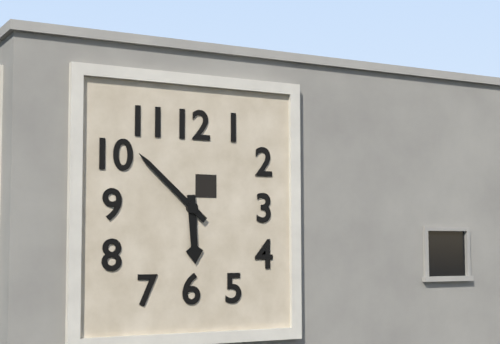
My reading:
5 h 52 min
